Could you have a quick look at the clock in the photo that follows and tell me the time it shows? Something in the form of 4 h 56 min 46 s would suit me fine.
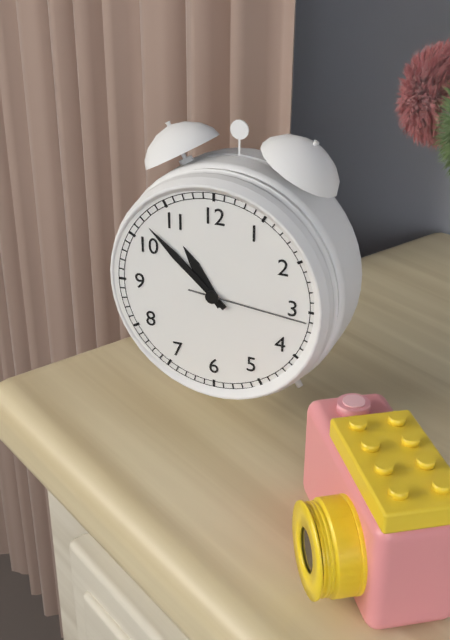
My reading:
10 h 52 min 16 s
